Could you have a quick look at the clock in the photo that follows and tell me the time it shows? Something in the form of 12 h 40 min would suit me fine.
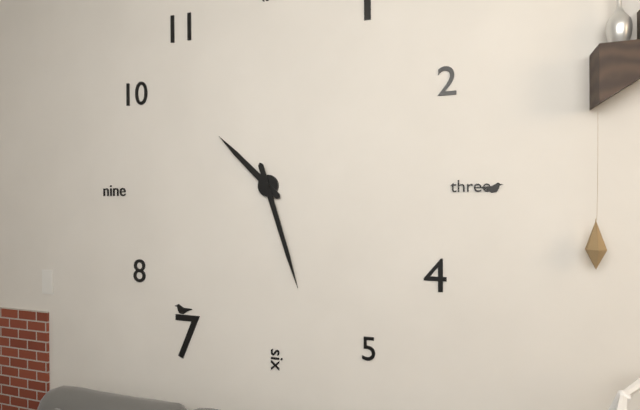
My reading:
10 h 27 min
